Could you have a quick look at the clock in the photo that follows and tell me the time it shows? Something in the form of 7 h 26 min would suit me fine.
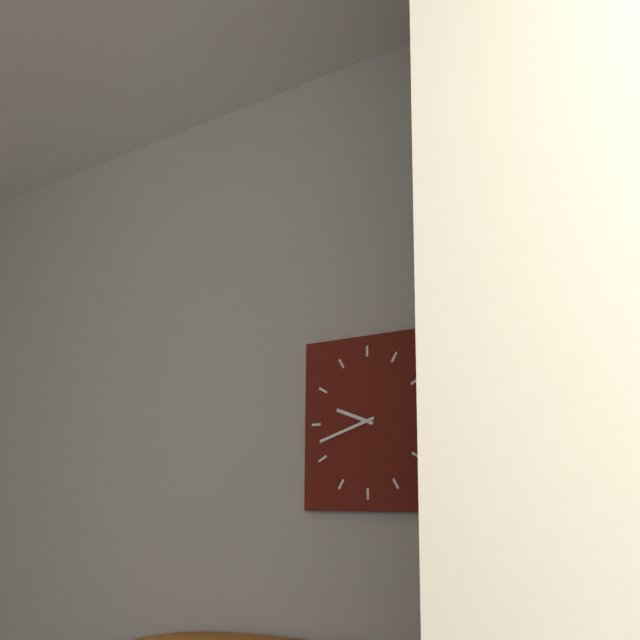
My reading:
9 h 42 min
